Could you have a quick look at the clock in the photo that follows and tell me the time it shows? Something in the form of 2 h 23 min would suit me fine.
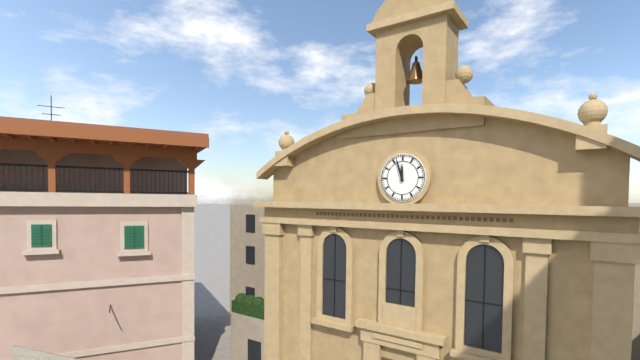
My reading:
11 h 57 min
